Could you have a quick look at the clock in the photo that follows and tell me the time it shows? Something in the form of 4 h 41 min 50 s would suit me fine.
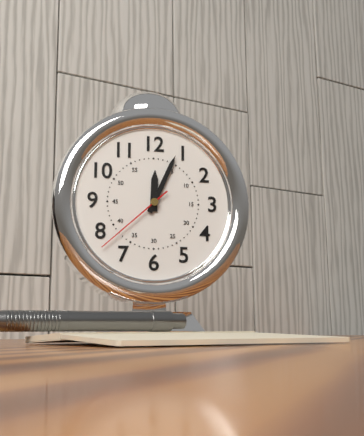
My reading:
12 h 04 min 38 s
